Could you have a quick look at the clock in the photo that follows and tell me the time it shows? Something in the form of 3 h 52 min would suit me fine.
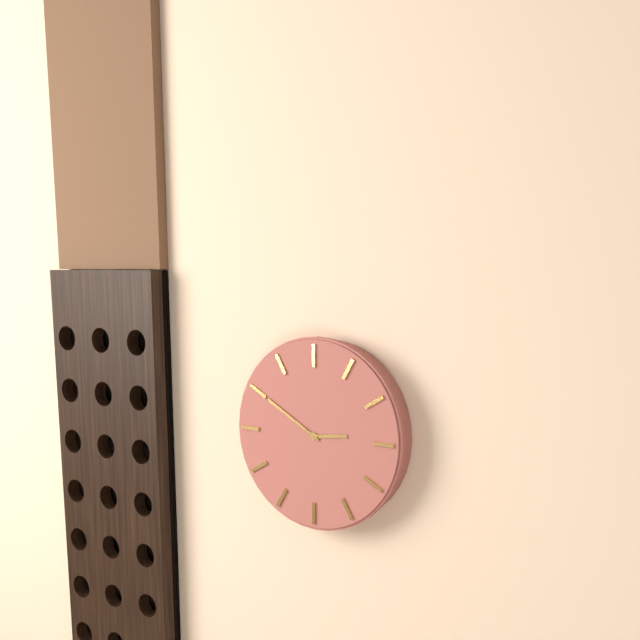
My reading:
2 h 50 min
